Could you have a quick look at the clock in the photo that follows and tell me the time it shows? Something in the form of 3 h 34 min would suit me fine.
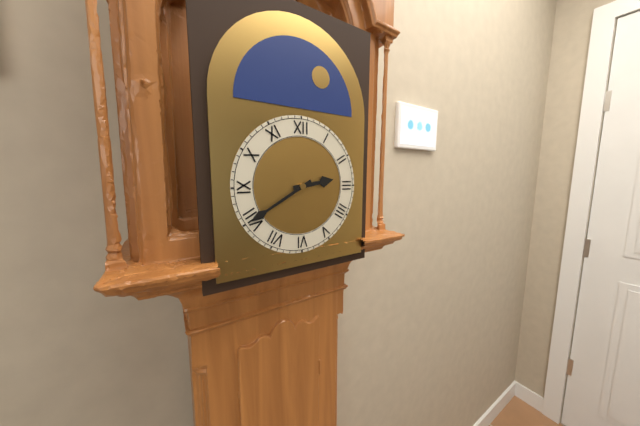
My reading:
2 h 40 min
